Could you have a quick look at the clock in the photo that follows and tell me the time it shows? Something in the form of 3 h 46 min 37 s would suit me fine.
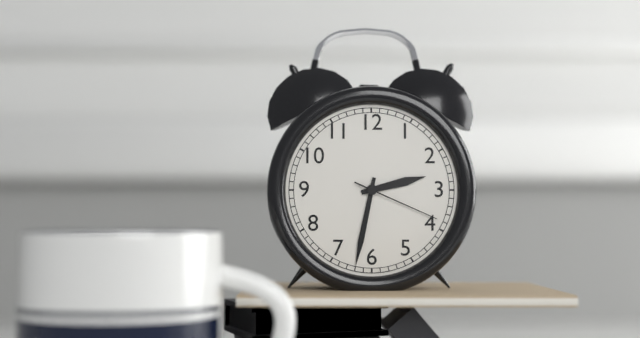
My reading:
2 h 32 min 19 s
